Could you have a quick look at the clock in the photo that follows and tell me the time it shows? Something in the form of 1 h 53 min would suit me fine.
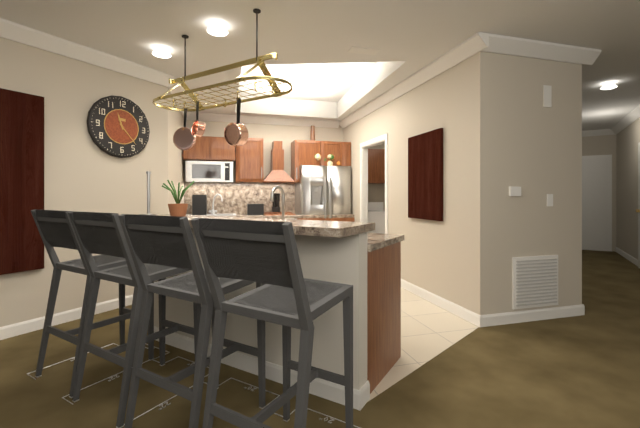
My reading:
11 h 23 min
